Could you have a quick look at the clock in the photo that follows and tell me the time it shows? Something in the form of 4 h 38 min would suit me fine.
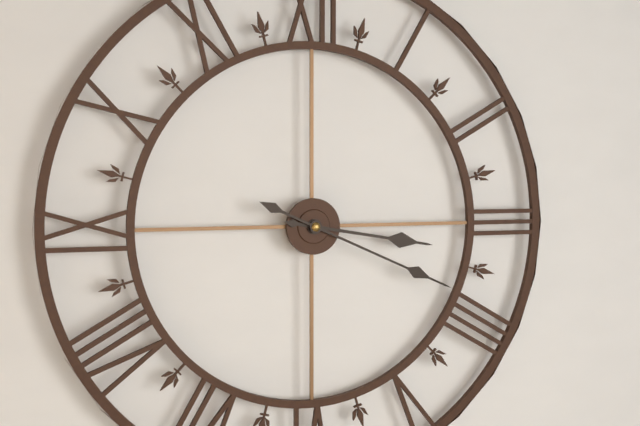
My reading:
3 h 19 min
